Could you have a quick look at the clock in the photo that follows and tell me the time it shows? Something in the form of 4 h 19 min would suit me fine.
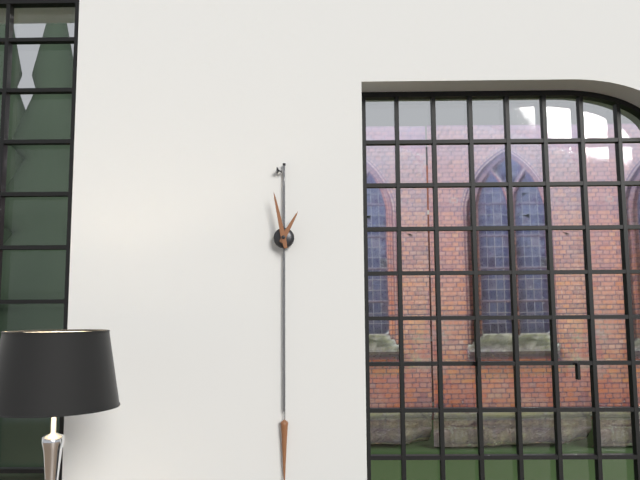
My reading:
12 h 58 min
